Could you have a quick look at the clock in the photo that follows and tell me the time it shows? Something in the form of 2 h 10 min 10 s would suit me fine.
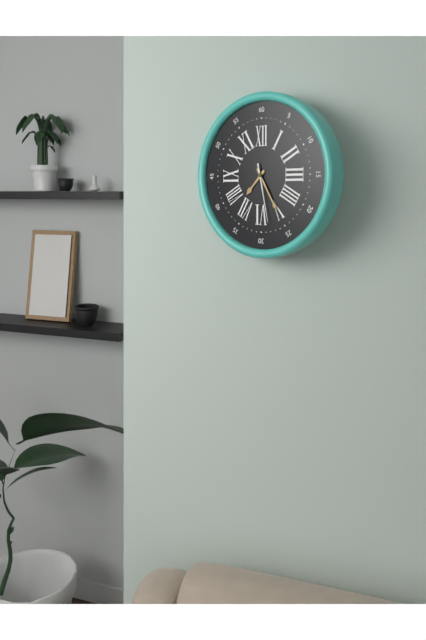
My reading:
7 h 25 min 28 s
